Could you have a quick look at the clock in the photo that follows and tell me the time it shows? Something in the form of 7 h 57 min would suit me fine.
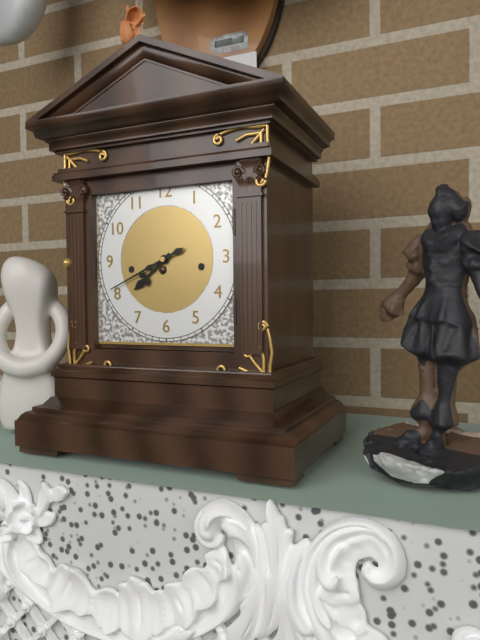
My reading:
7 h 41 min
